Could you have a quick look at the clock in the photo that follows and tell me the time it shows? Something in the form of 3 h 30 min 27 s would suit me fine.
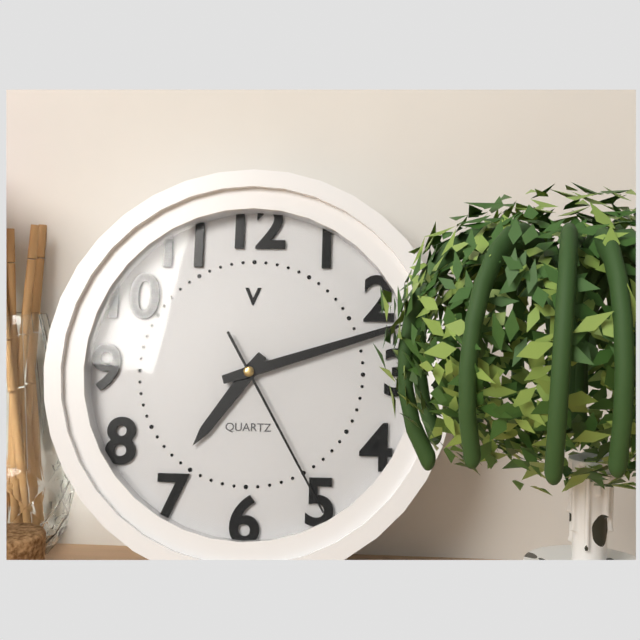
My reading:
7 h 12 min 25 s
